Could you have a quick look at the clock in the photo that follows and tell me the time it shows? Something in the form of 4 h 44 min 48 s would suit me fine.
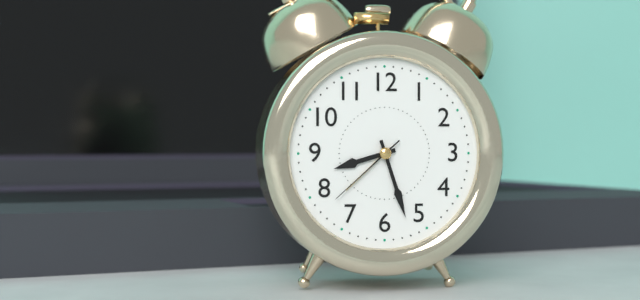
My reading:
8 h 27 min 38 s
